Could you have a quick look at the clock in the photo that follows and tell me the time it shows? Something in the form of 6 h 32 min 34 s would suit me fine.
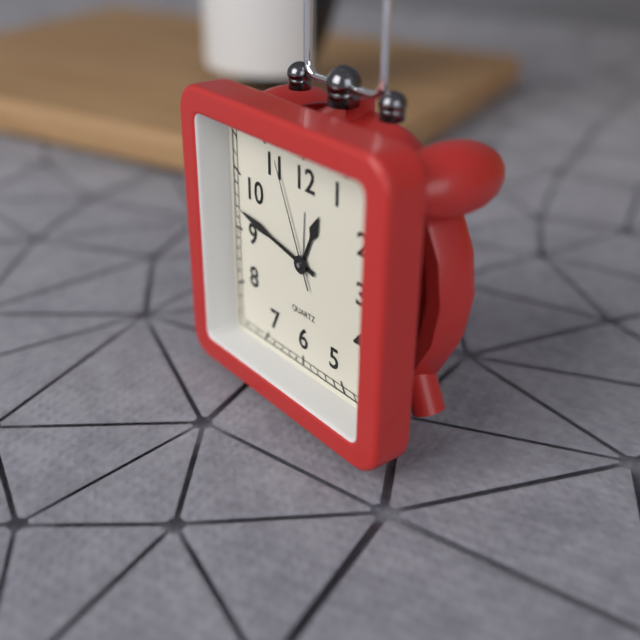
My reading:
12 h 47 min 56 s
